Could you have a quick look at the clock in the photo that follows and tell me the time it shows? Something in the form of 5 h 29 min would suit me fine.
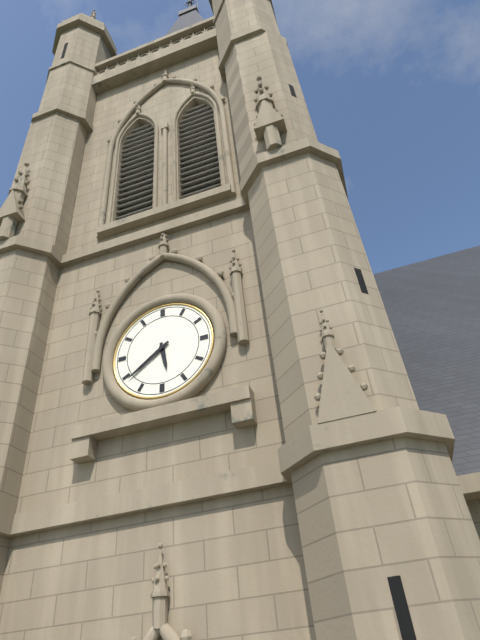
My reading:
5 h 39 min
